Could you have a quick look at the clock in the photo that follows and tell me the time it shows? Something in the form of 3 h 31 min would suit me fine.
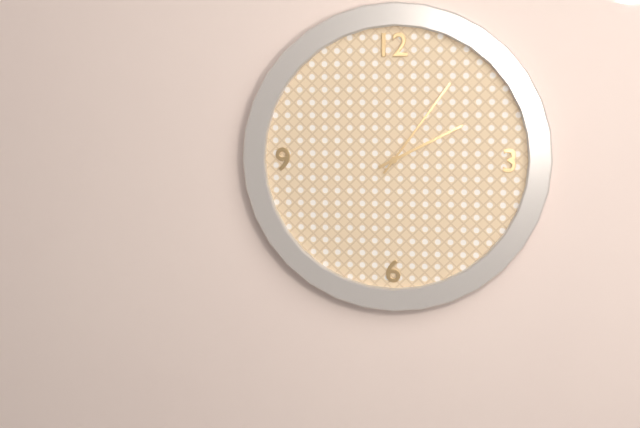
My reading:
2 h 06 min
